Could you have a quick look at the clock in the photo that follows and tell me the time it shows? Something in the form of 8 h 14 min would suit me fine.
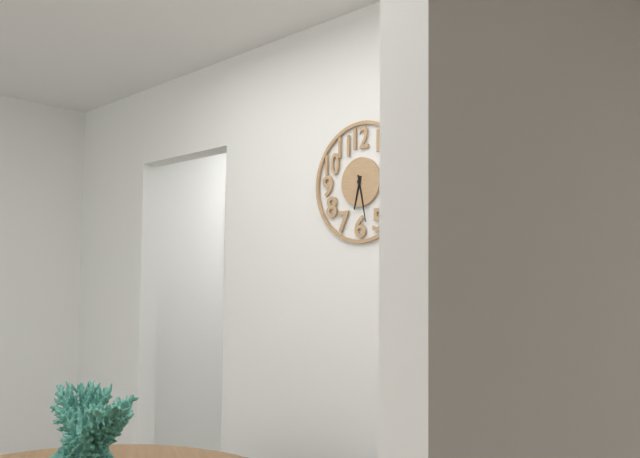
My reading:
6 h 28 min
